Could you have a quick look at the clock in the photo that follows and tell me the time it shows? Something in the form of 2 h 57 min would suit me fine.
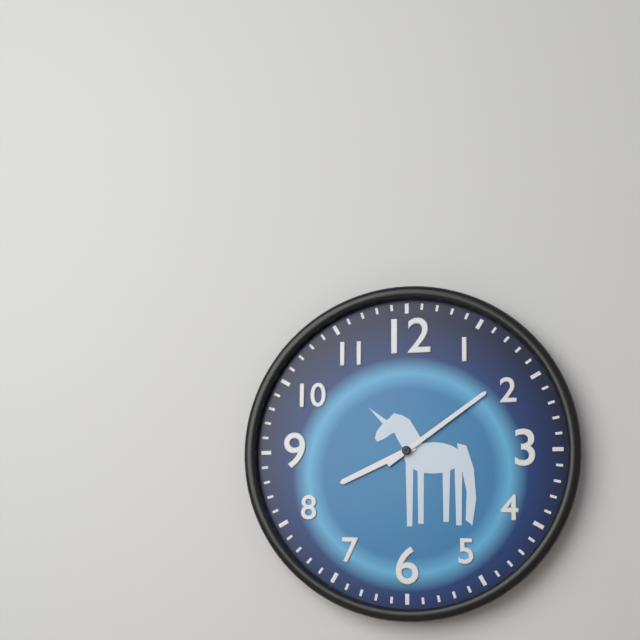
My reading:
8 h 09 min
